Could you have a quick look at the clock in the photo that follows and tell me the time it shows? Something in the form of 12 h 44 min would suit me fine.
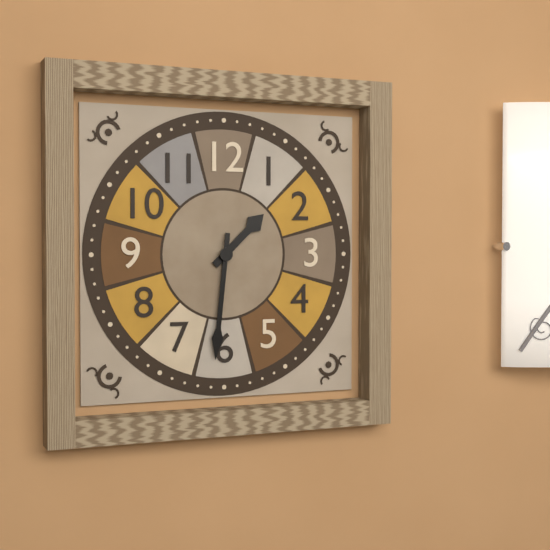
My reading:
1 h 31 min
